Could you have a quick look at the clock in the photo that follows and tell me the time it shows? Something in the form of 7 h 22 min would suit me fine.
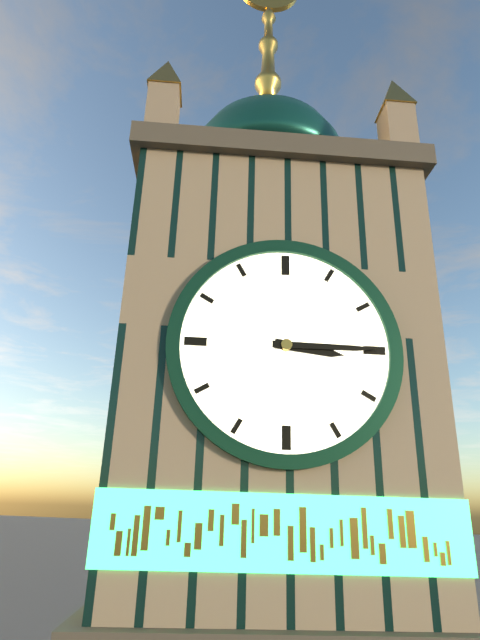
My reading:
3 h 15 min
